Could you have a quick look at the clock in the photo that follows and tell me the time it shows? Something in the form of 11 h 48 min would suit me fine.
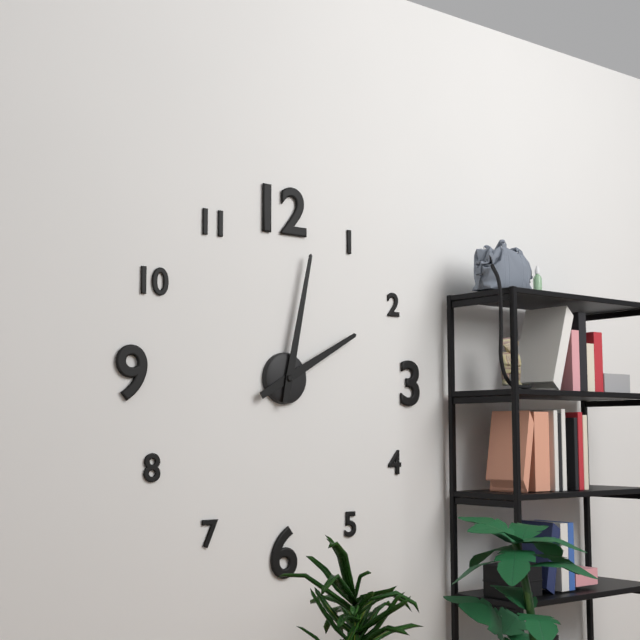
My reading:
2 h 02 min
